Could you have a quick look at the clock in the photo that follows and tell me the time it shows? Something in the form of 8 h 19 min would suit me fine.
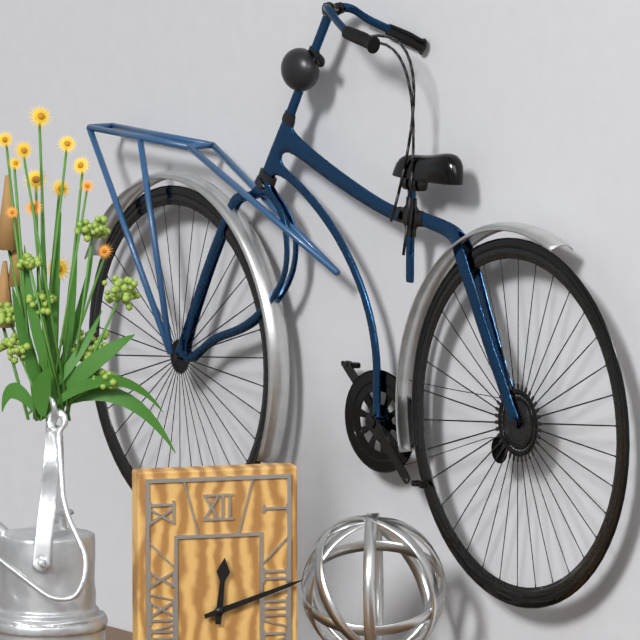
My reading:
12 h 12 min
